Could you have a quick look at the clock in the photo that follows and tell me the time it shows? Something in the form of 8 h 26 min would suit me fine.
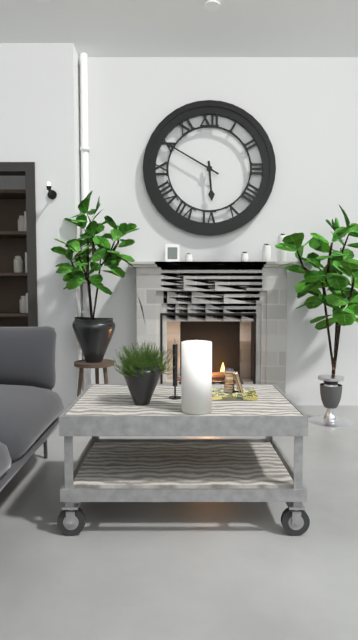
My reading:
5 h 50 min
